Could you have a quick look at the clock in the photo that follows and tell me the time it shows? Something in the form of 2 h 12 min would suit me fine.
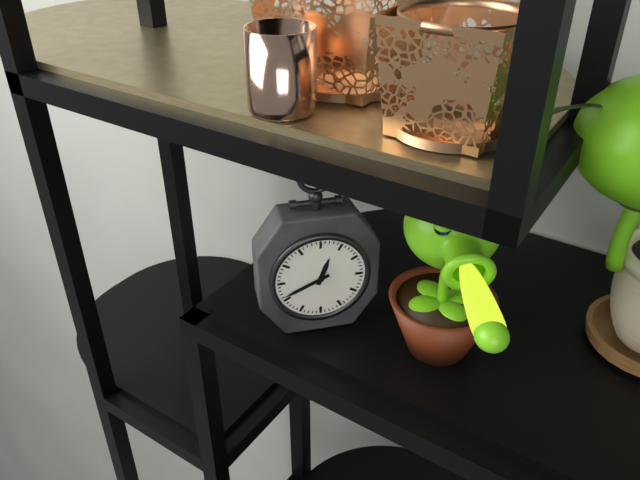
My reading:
12 h 41 min
